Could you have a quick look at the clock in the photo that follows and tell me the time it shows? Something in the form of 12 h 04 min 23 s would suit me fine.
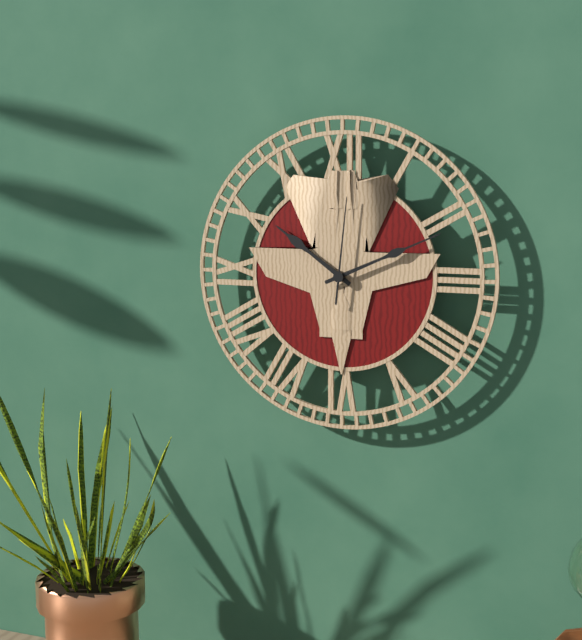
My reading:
10 h 11 min 01 s
